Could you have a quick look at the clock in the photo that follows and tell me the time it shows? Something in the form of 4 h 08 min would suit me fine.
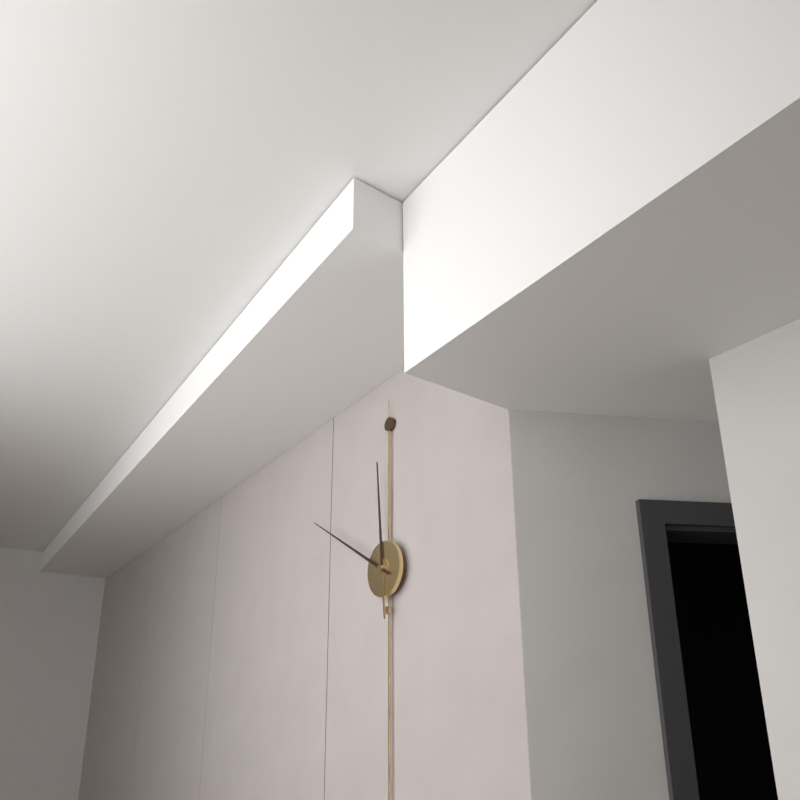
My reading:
11 h 50 min
